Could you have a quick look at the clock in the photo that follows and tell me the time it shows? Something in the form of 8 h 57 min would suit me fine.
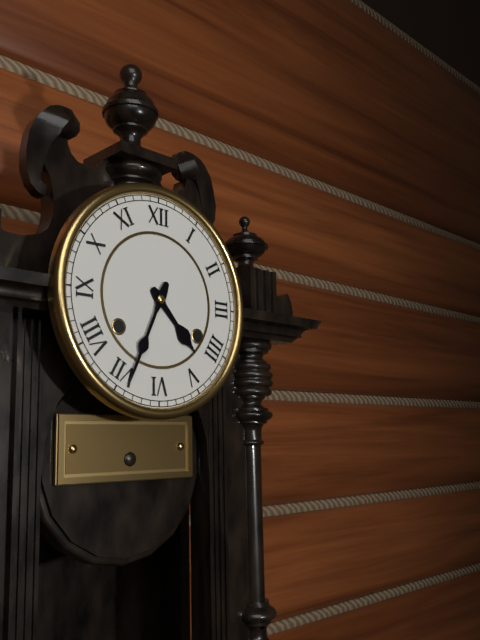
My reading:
4 h 34 min
